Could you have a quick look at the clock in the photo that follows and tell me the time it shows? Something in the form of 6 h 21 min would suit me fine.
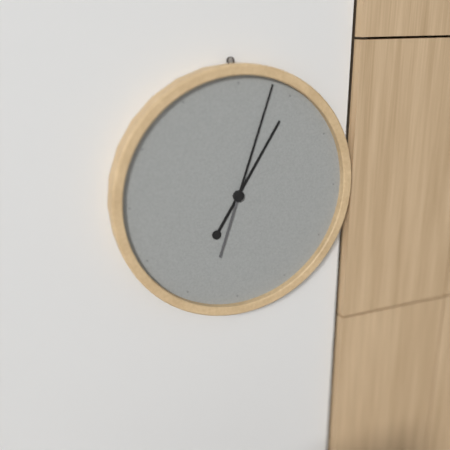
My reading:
1 h 03 min
